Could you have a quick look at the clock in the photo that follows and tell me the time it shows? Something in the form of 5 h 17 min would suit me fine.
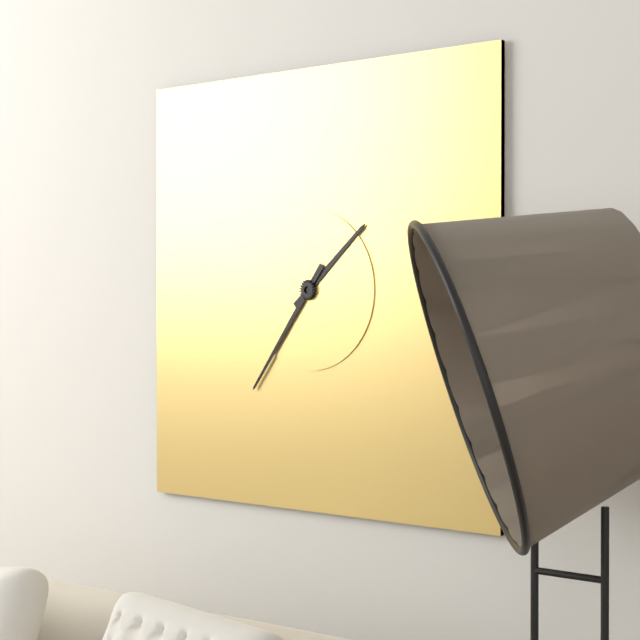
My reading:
1 h 36 min
